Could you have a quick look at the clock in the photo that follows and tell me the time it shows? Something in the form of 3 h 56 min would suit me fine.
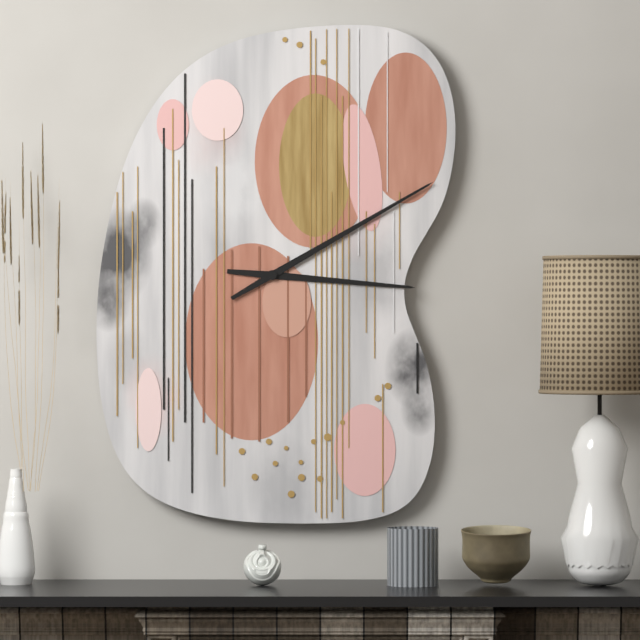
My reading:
3 h 10 min
